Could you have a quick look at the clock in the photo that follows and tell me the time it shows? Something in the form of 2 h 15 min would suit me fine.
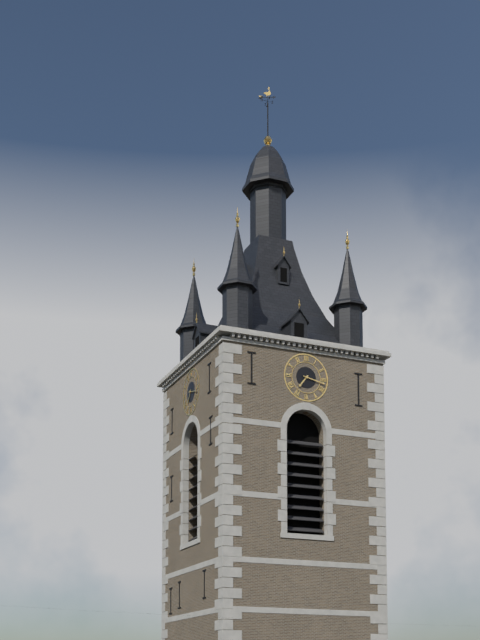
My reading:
7 h 17 min
